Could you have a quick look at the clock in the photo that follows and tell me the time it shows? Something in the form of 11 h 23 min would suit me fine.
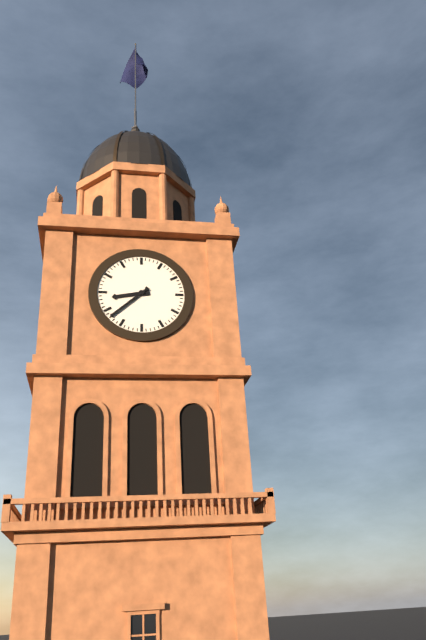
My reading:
8 h 38 min
